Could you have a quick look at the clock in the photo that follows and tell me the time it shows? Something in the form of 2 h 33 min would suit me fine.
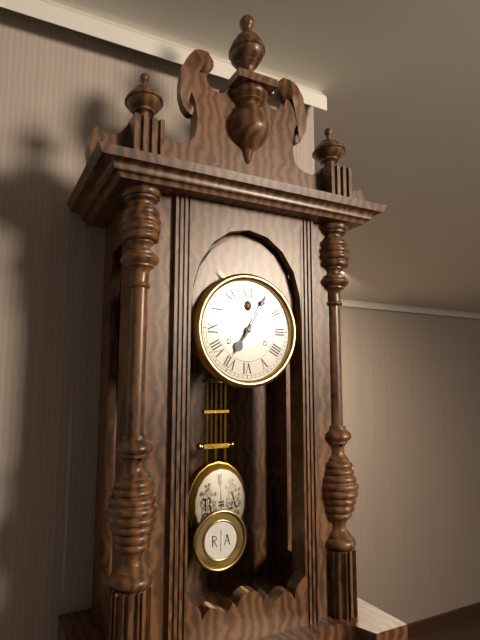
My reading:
7 h 05 min
